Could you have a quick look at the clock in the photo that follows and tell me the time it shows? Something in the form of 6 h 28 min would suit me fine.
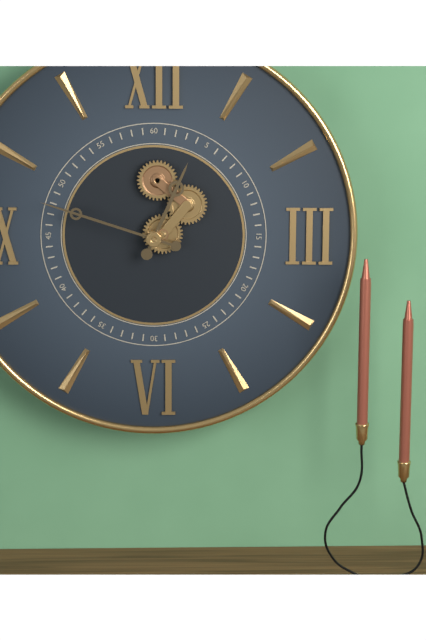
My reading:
12 h 48 min
